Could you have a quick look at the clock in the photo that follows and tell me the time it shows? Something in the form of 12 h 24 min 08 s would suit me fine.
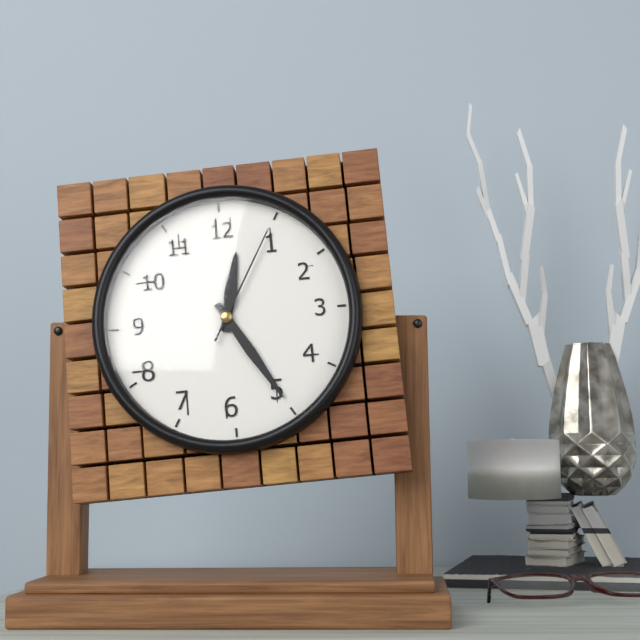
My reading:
12 h 25 min 05 s
